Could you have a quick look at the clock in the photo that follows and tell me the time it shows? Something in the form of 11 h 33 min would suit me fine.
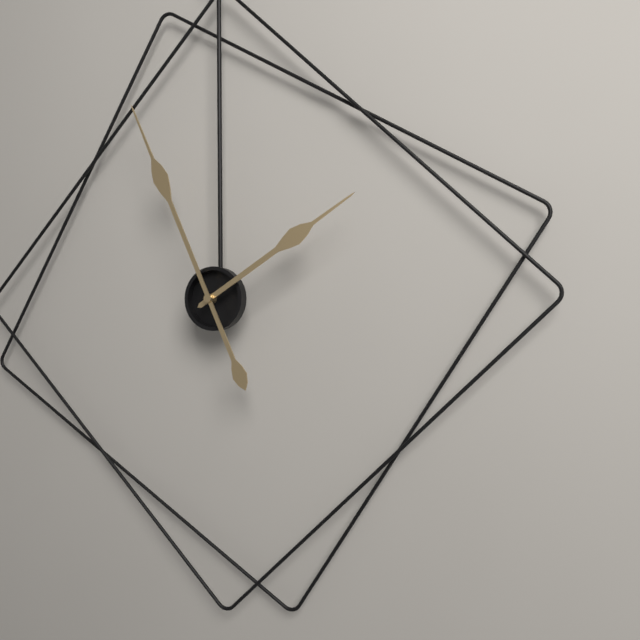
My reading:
1 h 56 min
